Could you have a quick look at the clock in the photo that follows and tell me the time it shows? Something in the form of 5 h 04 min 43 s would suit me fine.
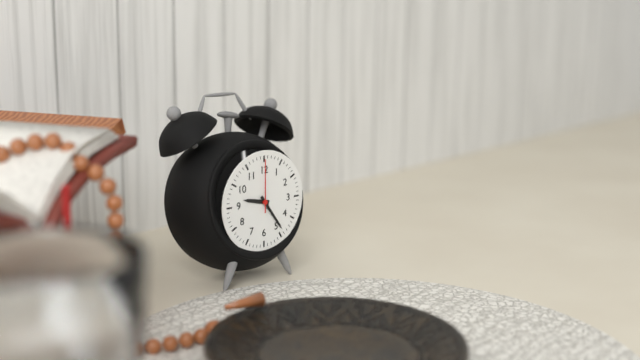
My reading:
9 h 24 min 00 s
